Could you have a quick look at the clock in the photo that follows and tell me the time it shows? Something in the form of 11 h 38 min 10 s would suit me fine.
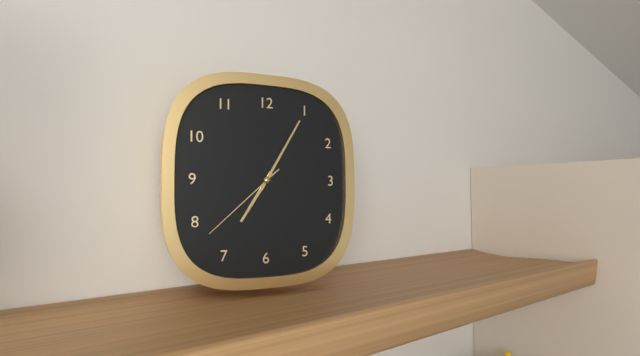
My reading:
7 h 05 min 38 s
